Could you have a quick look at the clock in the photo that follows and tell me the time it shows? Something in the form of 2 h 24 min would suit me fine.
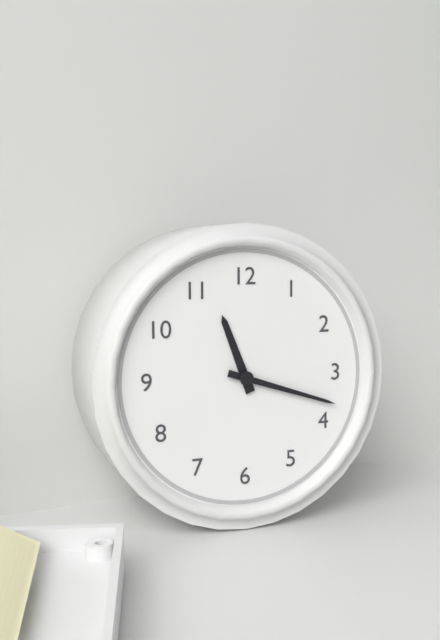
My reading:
11 h 18 min
